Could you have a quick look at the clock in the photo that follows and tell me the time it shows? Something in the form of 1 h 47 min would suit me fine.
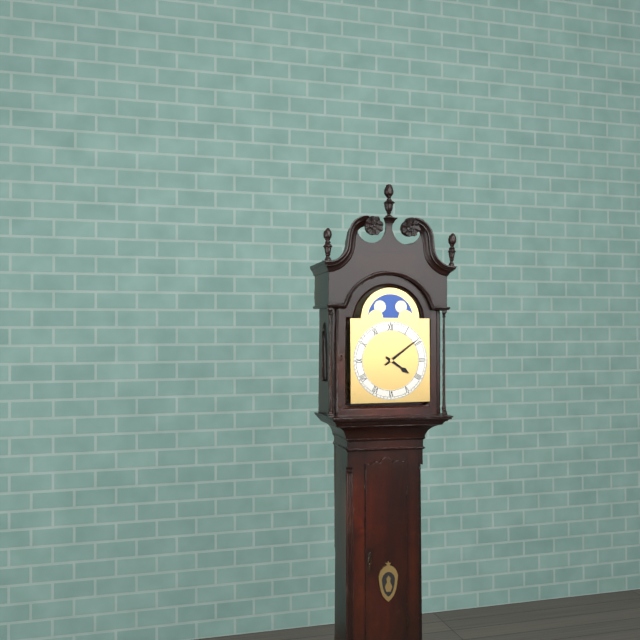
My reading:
4 h 09 min
